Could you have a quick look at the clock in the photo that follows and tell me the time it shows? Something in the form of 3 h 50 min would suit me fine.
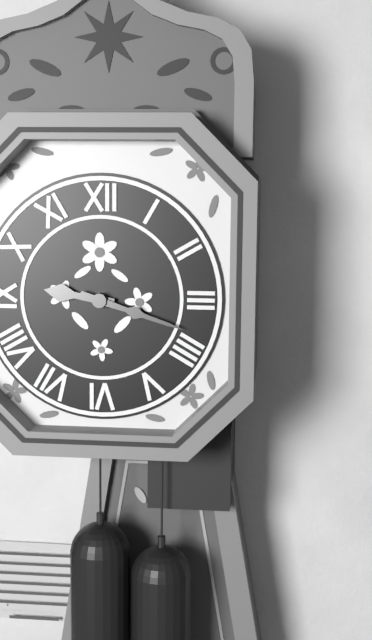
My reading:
9 h 18 min
